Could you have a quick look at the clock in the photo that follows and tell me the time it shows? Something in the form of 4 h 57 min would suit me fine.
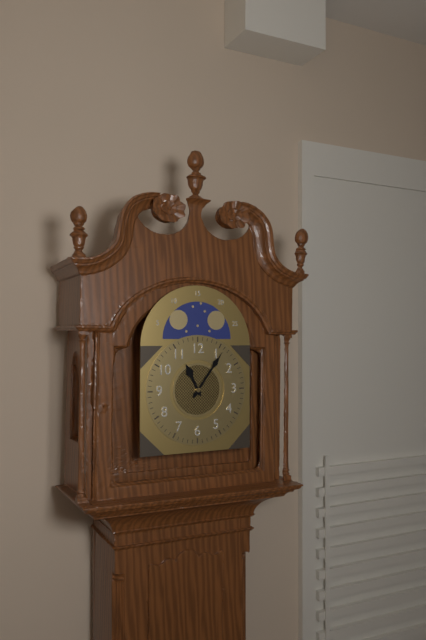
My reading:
11 h 06 min
